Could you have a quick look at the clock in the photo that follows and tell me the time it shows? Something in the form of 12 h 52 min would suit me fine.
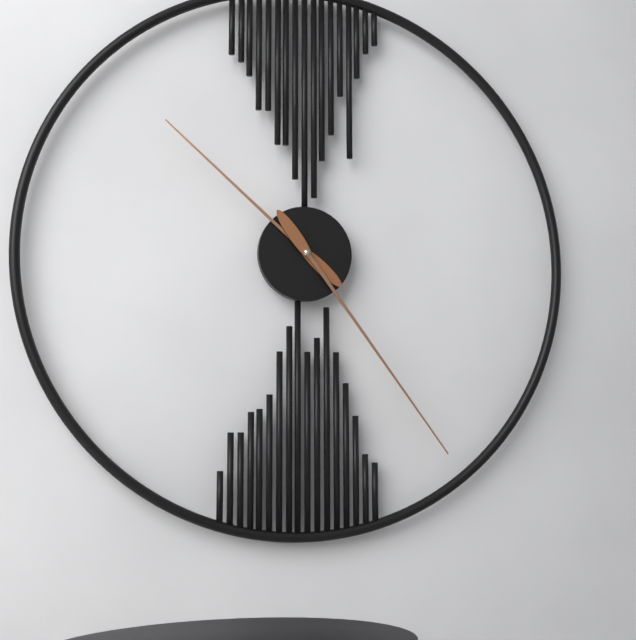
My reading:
10 h 24 min
